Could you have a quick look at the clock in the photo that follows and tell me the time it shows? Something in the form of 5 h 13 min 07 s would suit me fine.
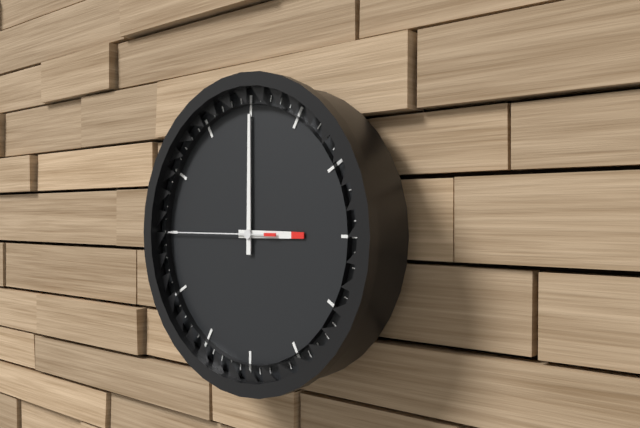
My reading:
3 h 00 min 45 s
